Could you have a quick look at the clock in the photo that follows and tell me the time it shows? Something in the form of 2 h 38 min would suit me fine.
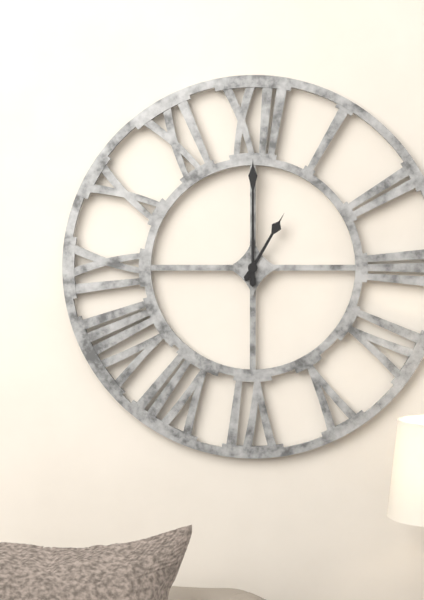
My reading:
1 h 00 min
